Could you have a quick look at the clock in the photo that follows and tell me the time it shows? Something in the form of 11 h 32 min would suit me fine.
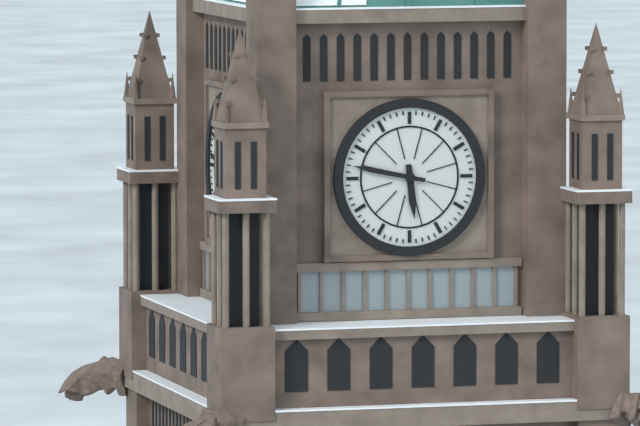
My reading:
5 h 47 min
